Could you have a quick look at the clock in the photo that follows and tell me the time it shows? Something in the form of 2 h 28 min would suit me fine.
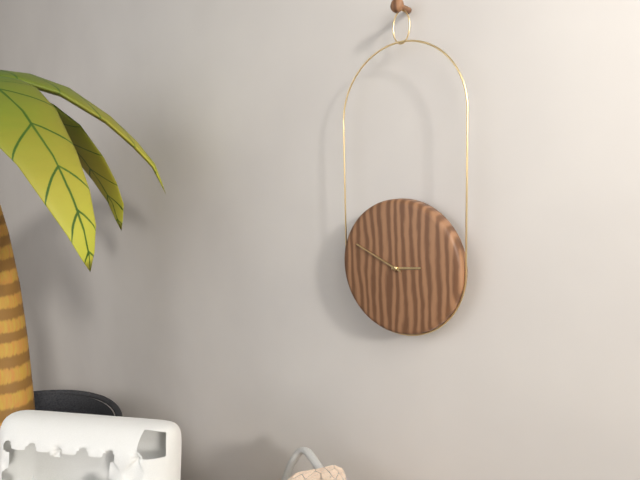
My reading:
2 h 49 min
